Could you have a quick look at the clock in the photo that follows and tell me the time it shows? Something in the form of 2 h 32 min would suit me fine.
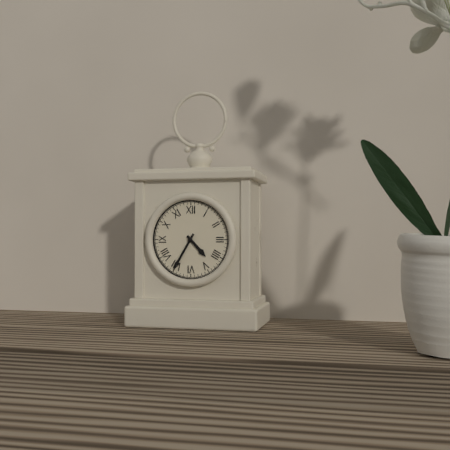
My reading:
4 h 35 min
